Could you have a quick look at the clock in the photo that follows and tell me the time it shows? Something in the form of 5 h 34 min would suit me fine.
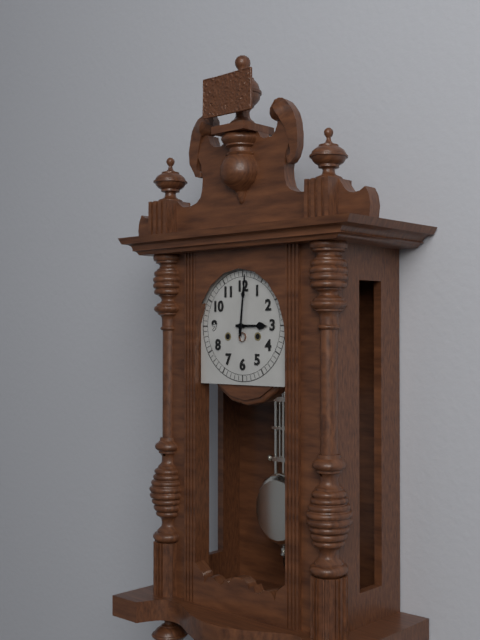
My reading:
3 h 01 min
